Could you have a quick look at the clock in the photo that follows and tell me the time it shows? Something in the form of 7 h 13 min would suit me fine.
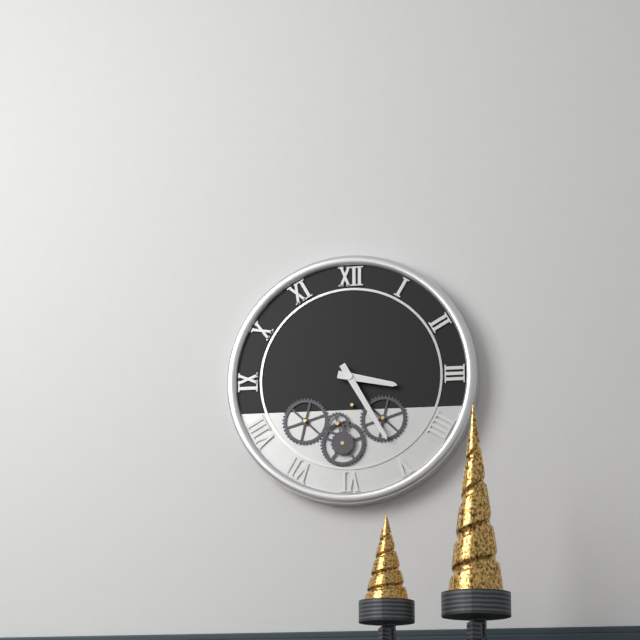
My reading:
3 h 25 min
